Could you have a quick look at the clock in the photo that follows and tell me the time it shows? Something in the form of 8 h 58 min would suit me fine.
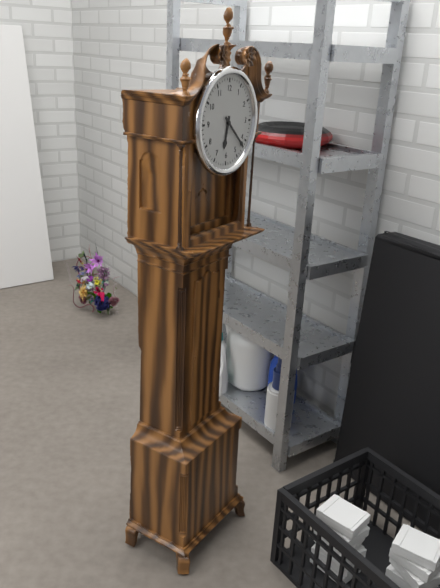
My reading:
6 h 22 min
